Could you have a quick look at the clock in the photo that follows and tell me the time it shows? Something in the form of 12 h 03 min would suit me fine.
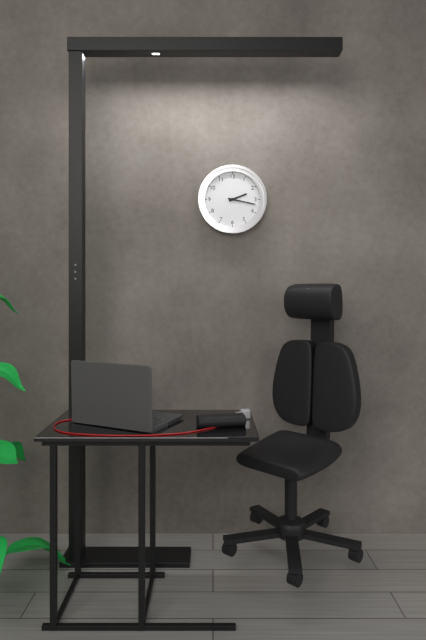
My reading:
2 h 17 min
